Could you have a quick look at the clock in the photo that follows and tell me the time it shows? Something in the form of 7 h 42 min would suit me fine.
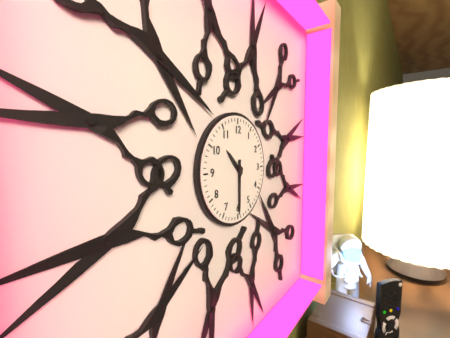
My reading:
10 h 30 min
